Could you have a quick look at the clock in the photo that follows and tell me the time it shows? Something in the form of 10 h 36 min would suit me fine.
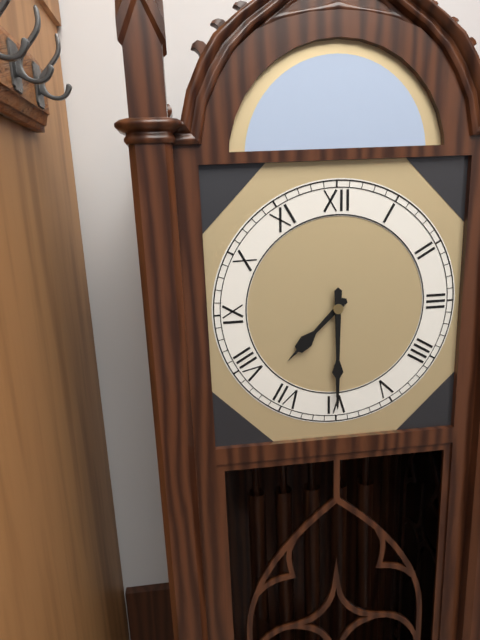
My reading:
7 h 30 min
